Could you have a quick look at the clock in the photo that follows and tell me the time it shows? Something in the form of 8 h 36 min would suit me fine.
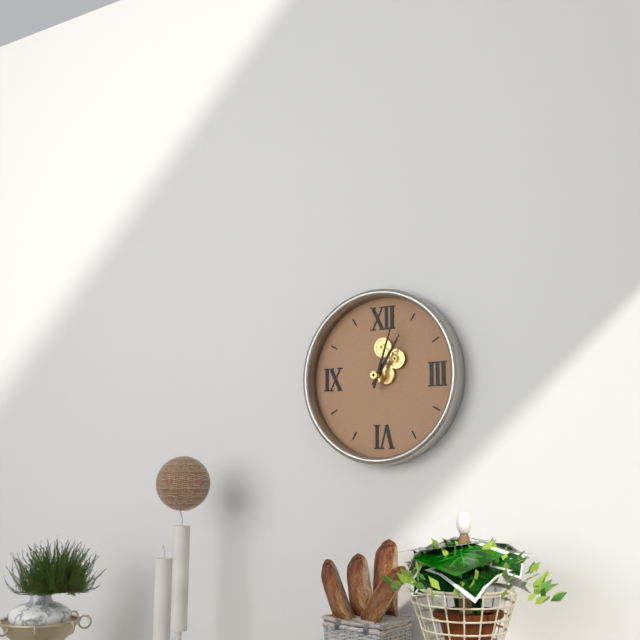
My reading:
1 h 03 min
